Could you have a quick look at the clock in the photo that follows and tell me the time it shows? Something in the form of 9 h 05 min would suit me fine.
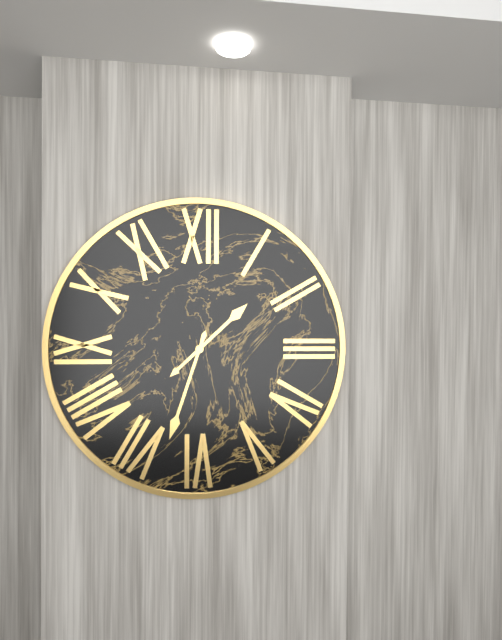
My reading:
1 h 33 min
